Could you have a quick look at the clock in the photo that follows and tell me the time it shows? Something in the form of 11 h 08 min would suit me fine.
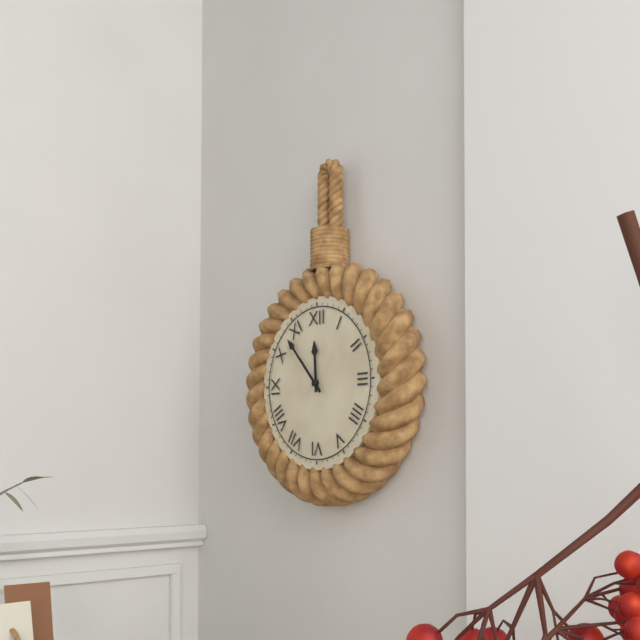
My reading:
11 h 53 min
